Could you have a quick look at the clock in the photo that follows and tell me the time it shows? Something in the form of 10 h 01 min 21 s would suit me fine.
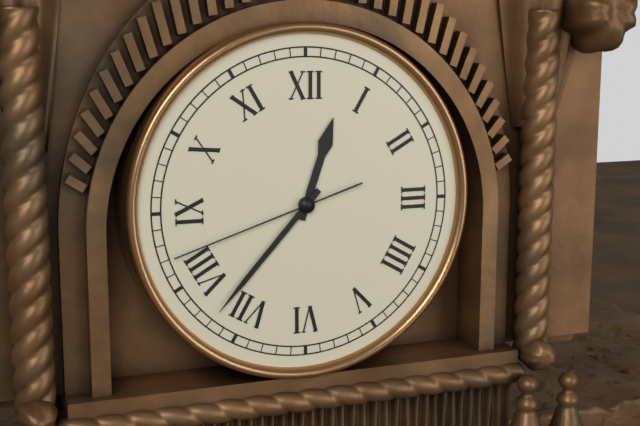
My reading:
12 h 37 min 42 s
